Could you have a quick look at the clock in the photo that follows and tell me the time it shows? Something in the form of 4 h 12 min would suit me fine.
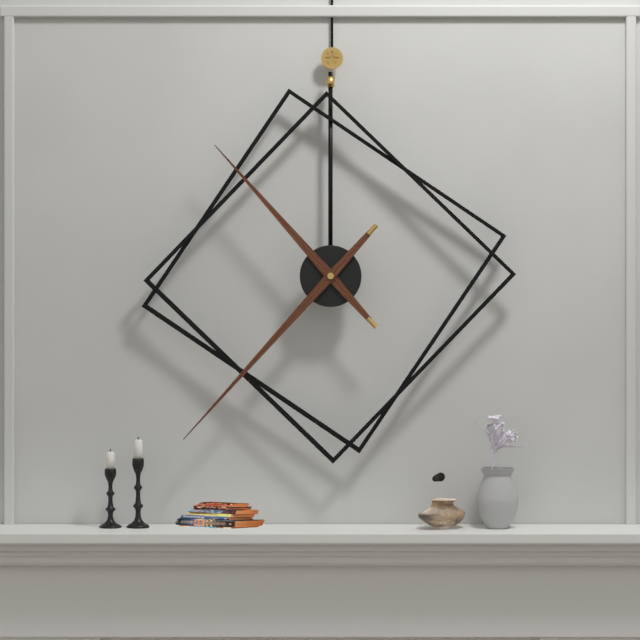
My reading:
10 h 37 min
